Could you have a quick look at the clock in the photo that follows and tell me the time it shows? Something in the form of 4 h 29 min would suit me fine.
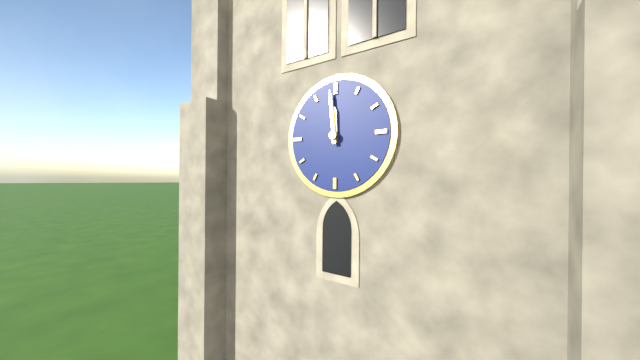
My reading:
11 h 59 min
